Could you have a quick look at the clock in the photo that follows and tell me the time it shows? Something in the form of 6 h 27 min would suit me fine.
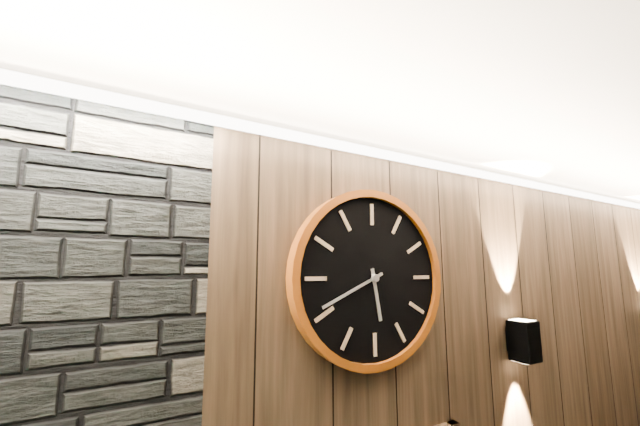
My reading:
5 h 41 min
